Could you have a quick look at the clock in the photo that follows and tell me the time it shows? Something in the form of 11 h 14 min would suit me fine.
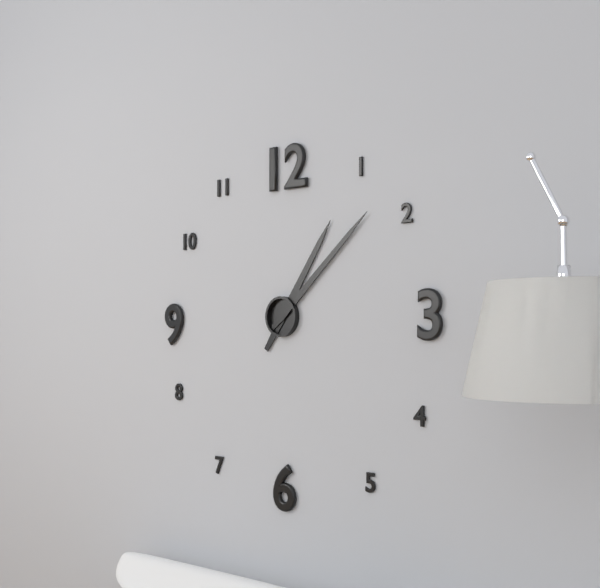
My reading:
1 h 08 min
